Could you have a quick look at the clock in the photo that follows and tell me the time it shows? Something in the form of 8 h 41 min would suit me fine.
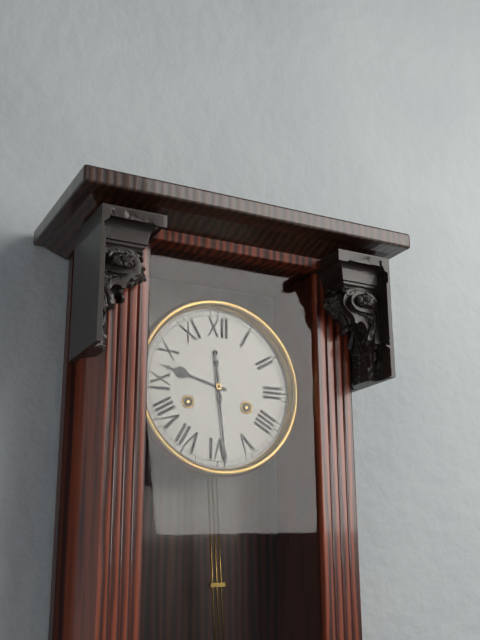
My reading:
9 h 29 min
